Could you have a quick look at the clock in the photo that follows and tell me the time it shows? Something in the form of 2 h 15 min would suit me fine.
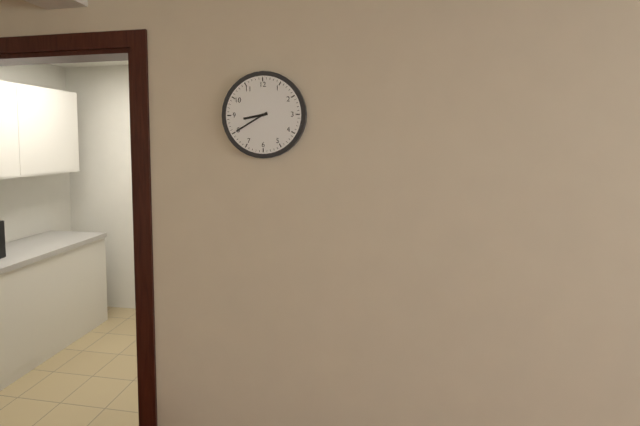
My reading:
8 h 40 min
